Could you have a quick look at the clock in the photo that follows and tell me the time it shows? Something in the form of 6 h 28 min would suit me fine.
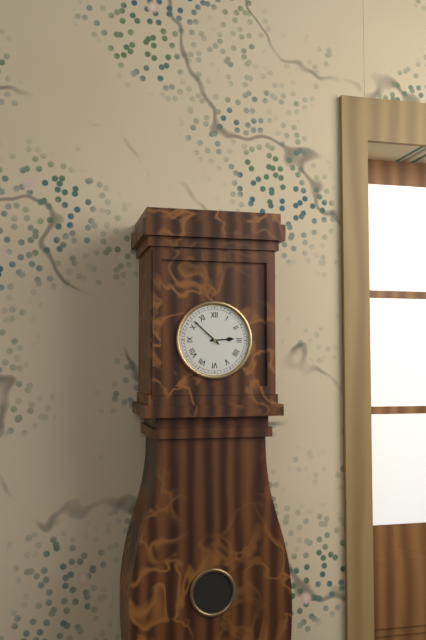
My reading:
2 h 52 min
